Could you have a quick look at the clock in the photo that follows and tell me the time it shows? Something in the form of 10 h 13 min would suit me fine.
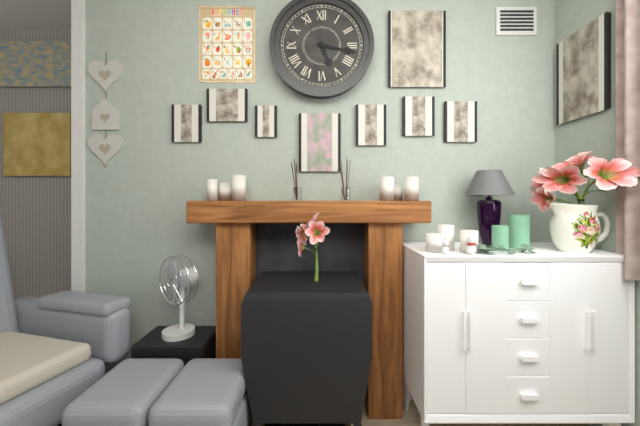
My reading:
5 h 17 min
